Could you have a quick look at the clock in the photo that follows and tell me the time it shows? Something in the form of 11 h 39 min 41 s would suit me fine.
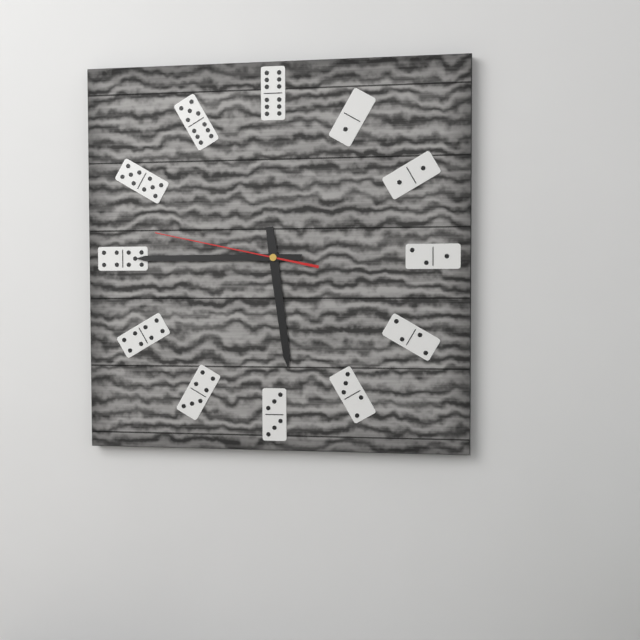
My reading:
5 h 45 min 47 s
